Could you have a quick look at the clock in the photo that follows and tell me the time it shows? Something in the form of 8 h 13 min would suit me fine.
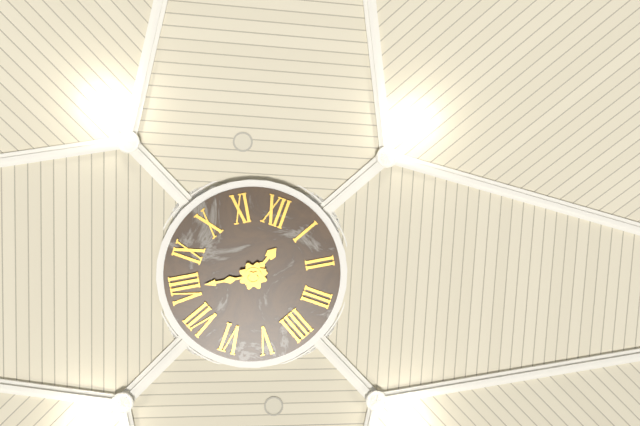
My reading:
12 h 40 min
